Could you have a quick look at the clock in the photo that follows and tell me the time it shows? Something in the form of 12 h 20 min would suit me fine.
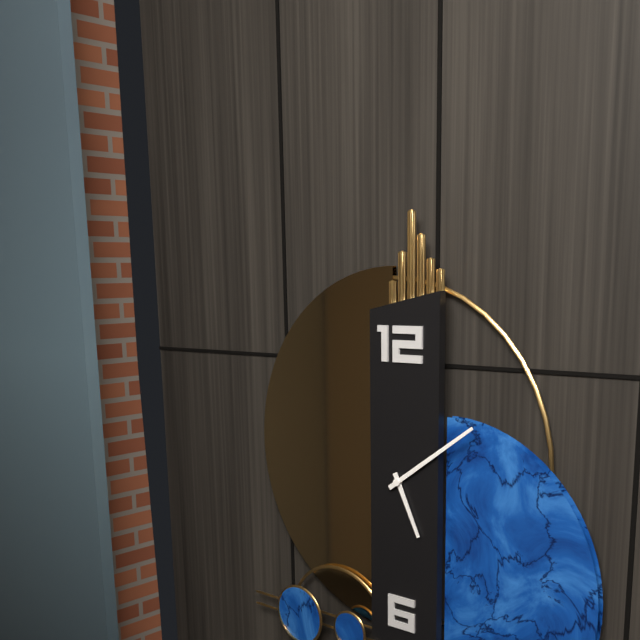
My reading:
5 h 09 min
